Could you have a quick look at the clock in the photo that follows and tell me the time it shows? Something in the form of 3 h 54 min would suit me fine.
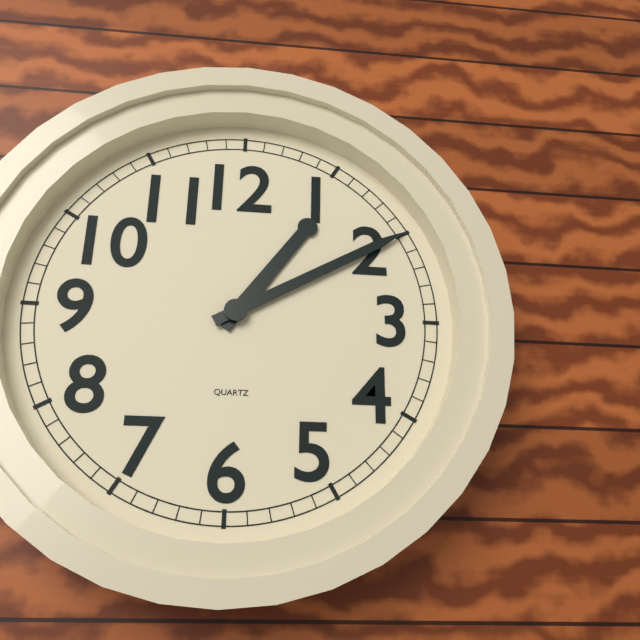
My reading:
1 h 10 min
